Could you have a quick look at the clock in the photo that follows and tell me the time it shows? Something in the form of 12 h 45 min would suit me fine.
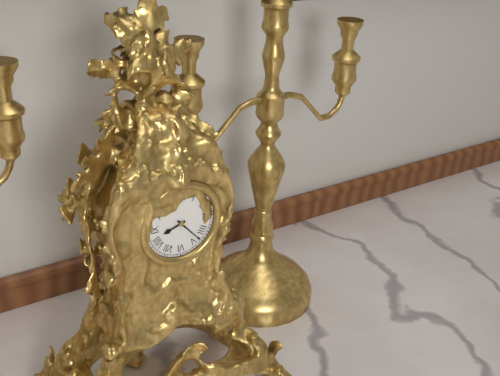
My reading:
8 h 23 min
